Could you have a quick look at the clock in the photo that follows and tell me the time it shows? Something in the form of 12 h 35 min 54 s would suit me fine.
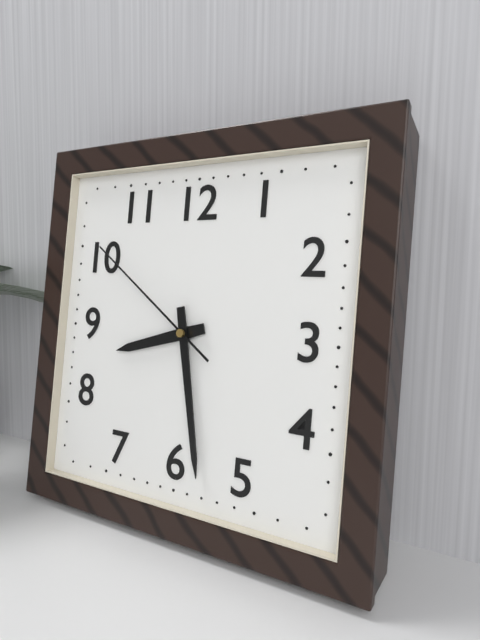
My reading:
8 h 28 min 51 s
